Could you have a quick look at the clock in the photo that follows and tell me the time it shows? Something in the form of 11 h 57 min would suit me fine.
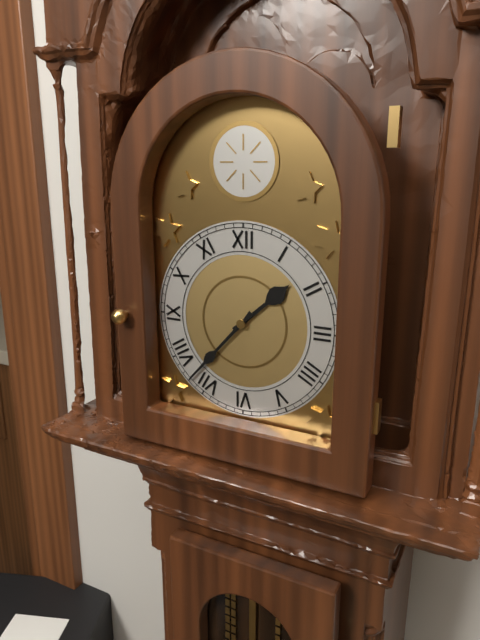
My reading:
1 h 37 min
